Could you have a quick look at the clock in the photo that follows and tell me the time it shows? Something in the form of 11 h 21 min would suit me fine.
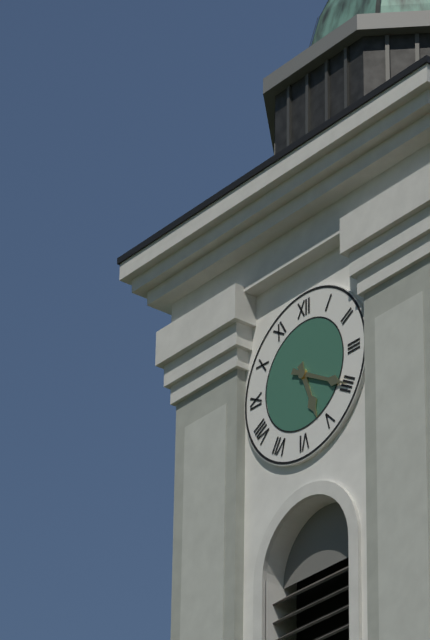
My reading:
5 h 20 min
